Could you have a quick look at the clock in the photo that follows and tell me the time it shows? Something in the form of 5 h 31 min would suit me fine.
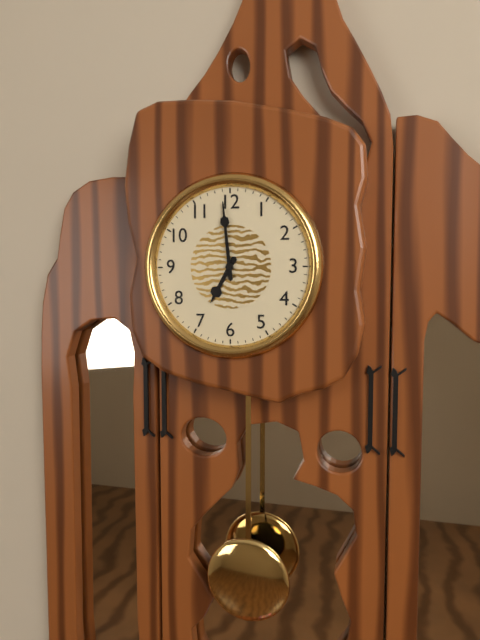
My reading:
6 h 59 min
